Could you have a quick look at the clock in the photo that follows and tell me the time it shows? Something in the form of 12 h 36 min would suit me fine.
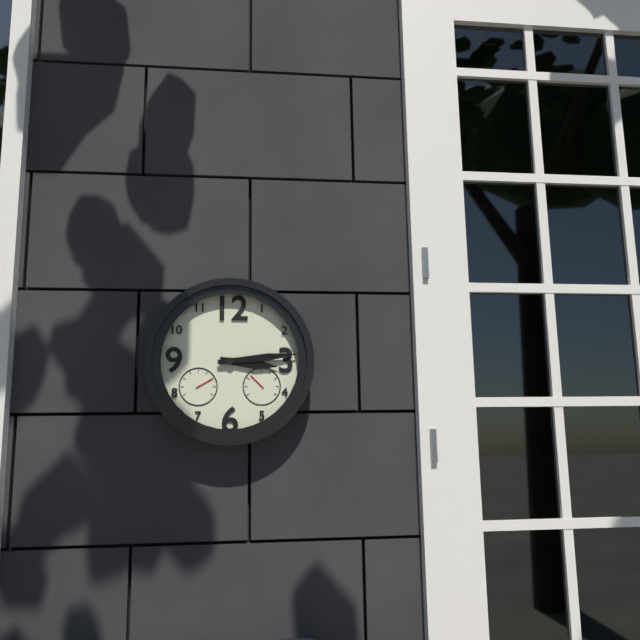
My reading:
3 h 14 min
